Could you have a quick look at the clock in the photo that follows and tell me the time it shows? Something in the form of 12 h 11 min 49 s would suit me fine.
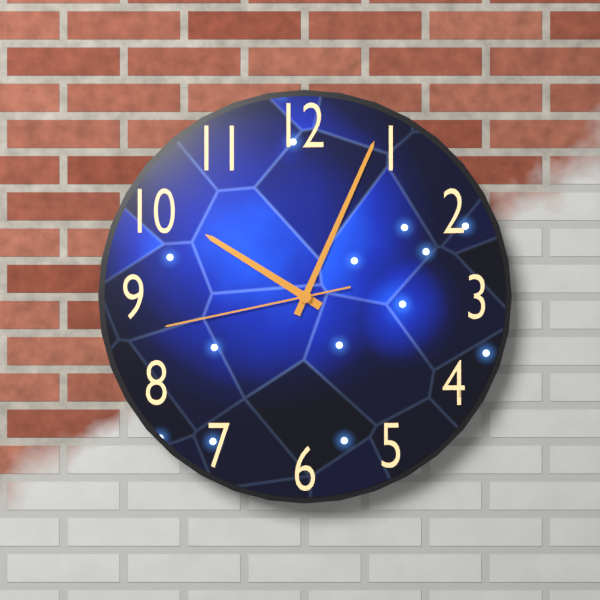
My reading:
10 h 04 min 43 s
